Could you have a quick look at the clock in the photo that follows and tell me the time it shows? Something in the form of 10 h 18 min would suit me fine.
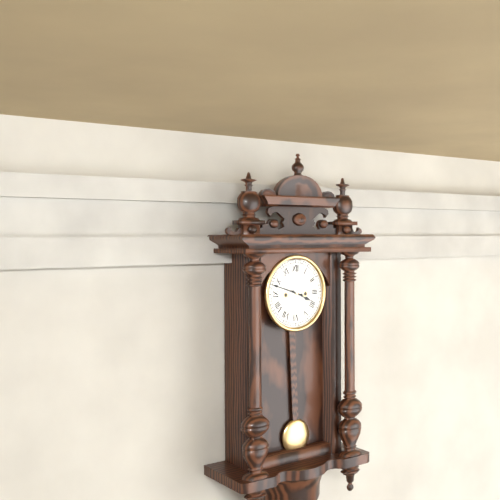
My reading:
3 h 48 min
